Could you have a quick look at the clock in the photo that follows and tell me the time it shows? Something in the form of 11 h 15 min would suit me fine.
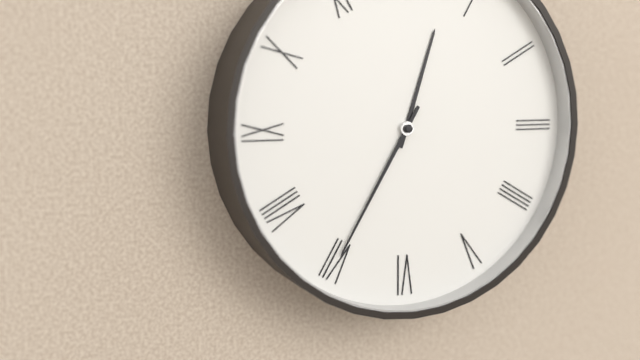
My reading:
12 h 35 min
